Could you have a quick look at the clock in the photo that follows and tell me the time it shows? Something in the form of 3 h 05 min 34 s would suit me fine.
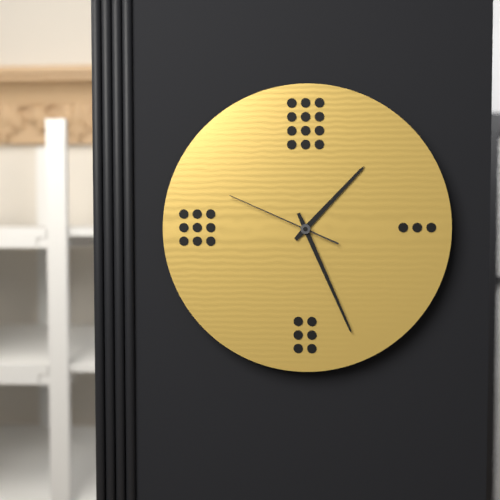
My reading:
1 h 26 min 49 s
